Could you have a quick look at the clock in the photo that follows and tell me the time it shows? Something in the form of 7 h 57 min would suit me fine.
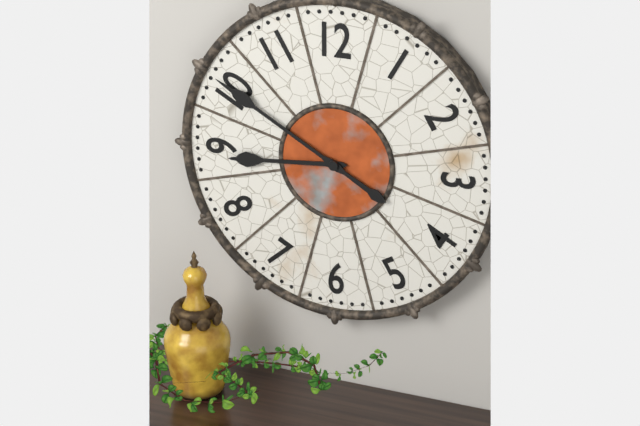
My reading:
8 h 50 min
